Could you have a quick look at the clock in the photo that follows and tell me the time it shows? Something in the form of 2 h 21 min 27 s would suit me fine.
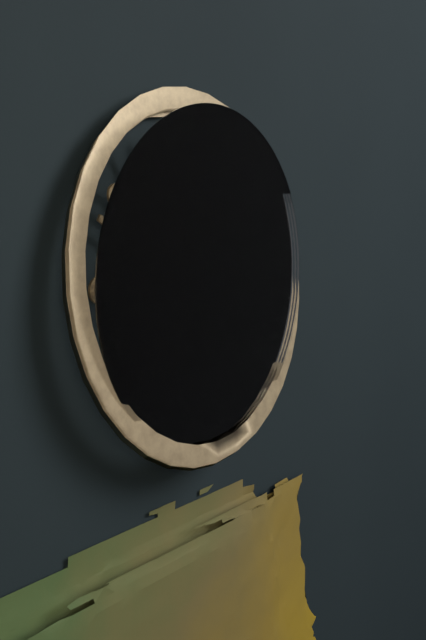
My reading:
2 h 24 min 17 s
